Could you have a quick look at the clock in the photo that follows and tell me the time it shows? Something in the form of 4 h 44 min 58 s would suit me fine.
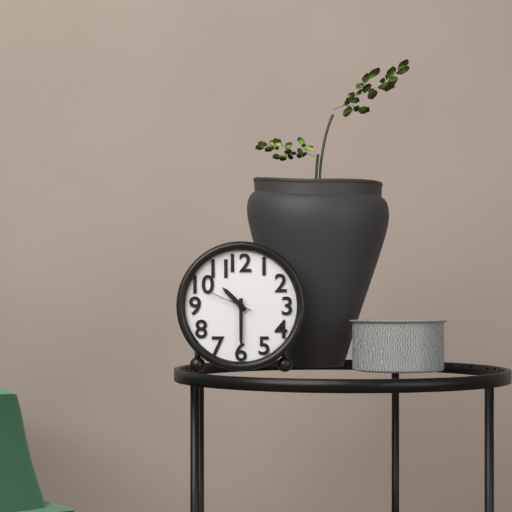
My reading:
10 h 30 min 49 s
